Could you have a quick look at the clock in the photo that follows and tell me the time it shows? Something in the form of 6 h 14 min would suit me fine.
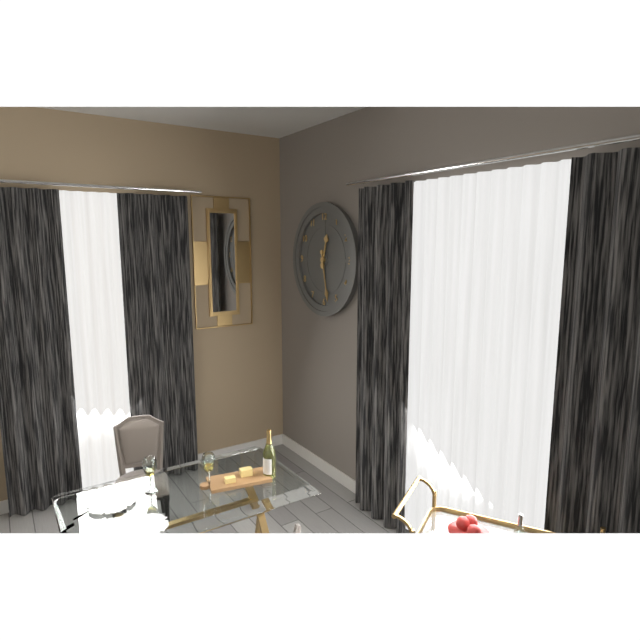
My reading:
12 h 28 min
